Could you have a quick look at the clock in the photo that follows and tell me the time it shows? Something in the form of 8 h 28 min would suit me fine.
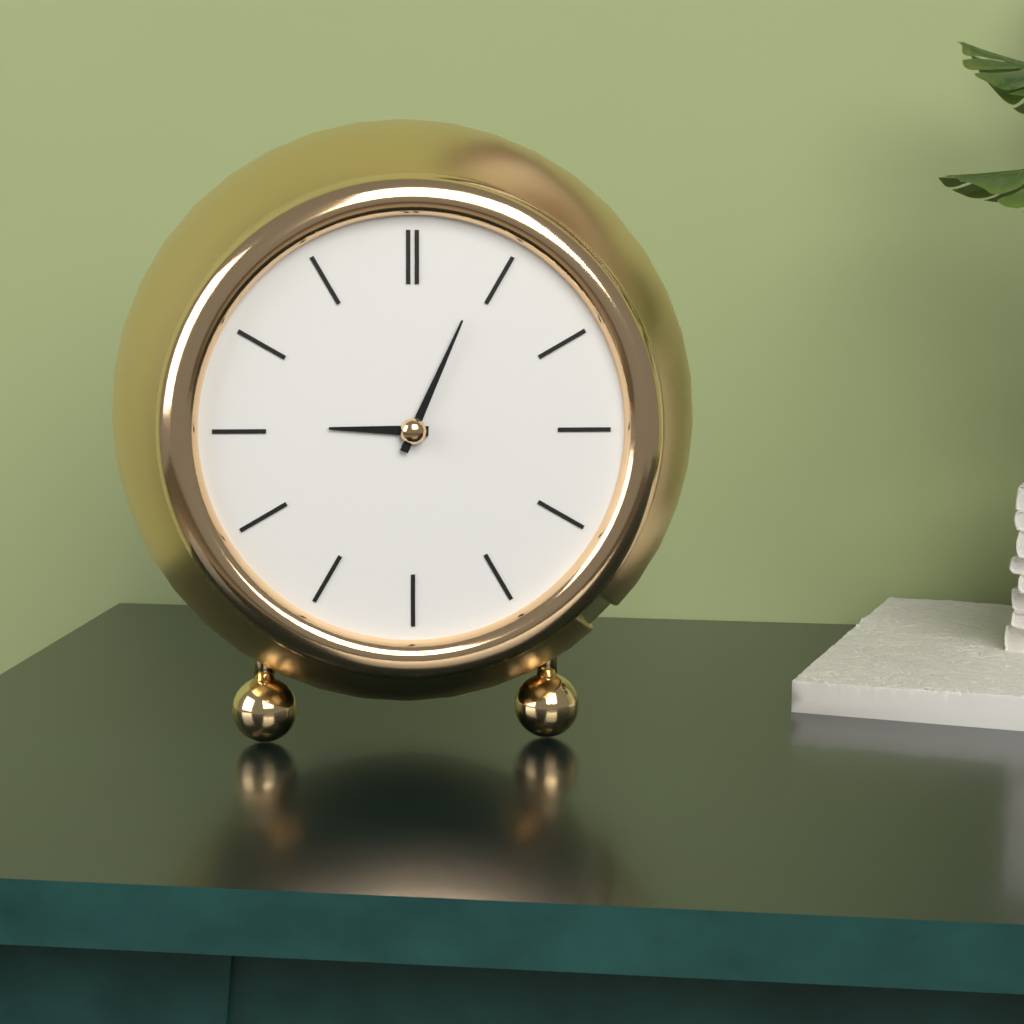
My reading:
9 h 04 min
